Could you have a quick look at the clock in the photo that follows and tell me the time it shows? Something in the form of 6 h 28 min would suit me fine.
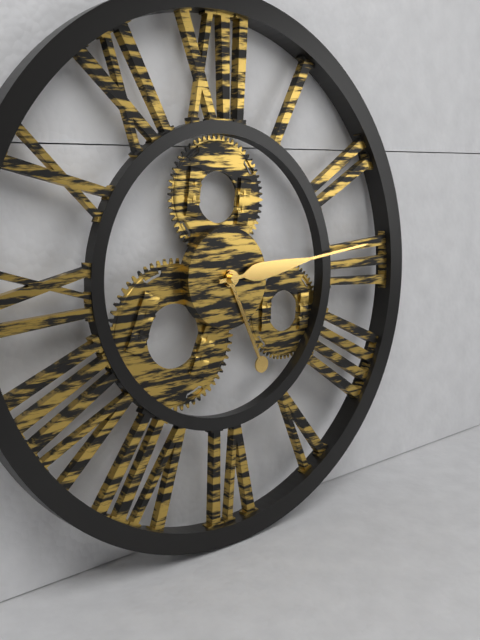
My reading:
5 h 14 min
